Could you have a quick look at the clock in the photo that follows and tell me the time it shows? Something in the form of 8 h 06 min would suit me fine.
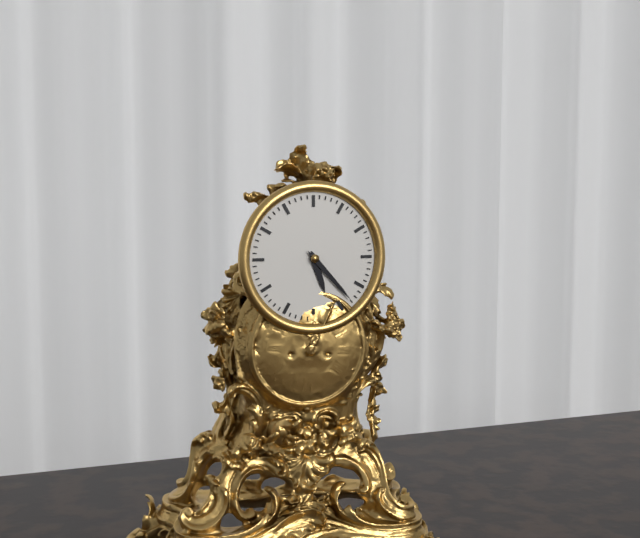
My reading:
5 h 23 min
